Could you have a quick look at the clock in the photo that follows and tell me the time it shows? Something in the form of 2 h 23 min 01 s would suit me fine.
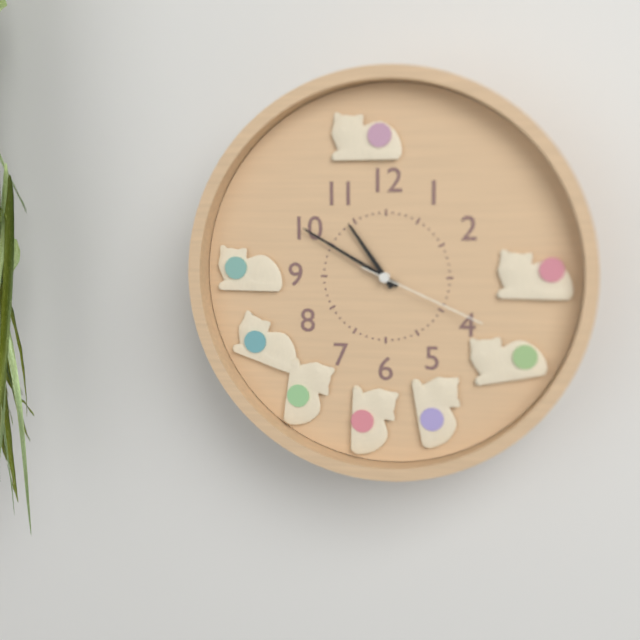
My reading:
10 h 50 min 19 s
